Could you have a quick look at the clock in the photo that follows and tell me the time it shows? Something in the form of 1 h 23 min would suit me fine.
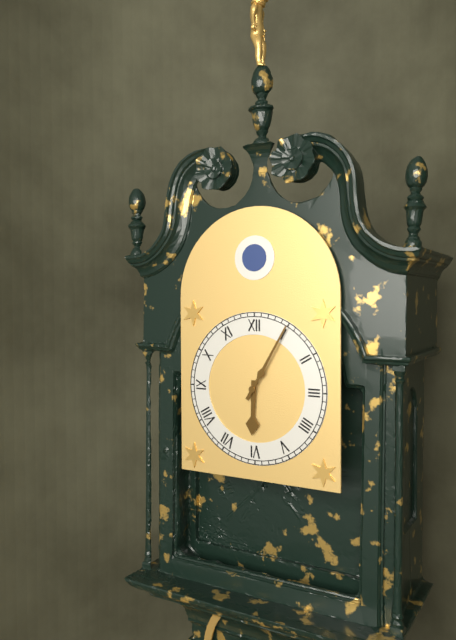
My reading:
6 h 05 min
